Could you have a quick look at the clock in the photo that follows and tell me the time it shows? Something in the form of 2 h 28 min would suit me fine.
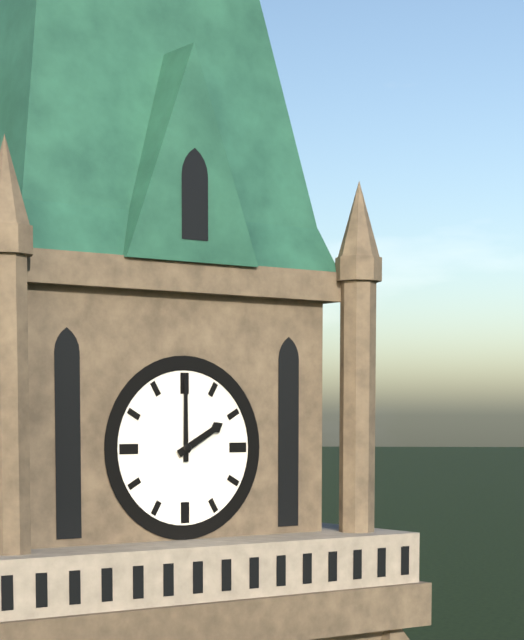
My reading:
2 h 00 min
